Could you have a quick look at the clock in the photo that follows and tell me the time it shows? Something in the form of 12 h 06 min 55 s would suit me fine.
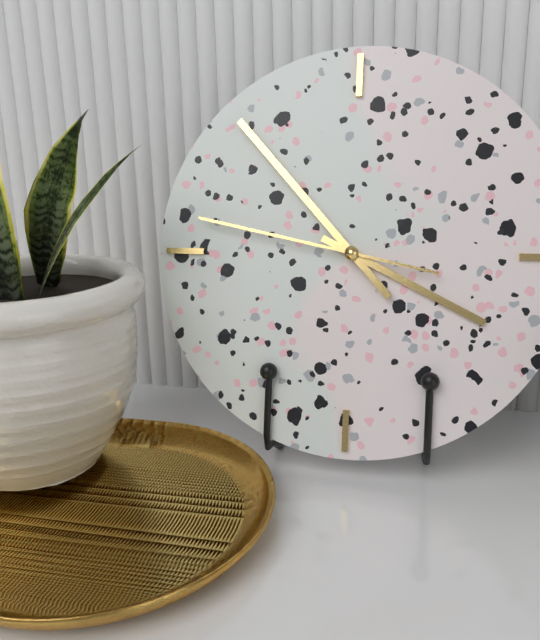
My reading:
3 h 53 min 47 s
